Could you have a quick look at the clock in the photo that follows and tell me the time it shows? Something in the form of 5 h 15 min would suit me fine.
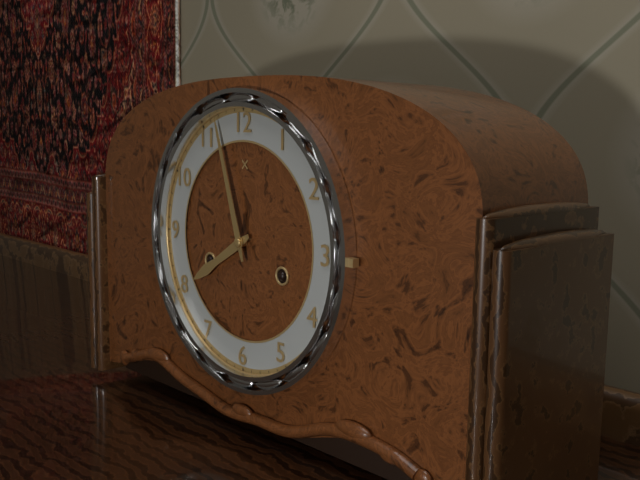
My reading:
7 h 57 min
